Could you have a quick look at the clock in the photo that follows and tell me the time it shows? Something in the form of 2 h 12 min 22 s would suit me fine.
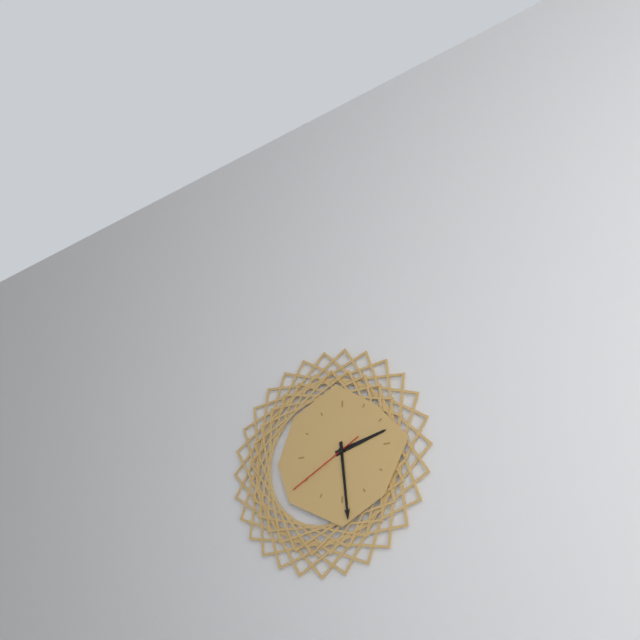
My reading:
2 h 29 min 40 s
